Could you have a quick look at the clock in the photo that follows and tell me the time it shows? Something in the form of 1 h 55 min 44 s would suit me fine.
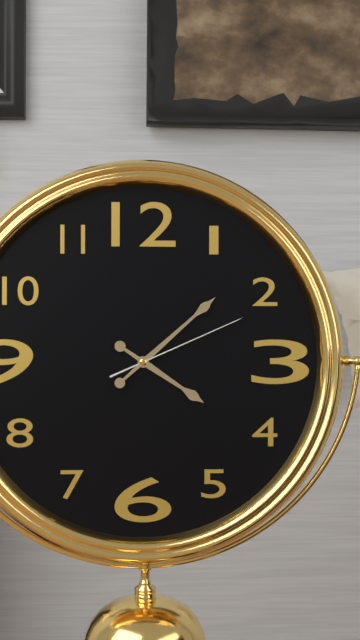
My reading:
4 h 08 min 11 s
